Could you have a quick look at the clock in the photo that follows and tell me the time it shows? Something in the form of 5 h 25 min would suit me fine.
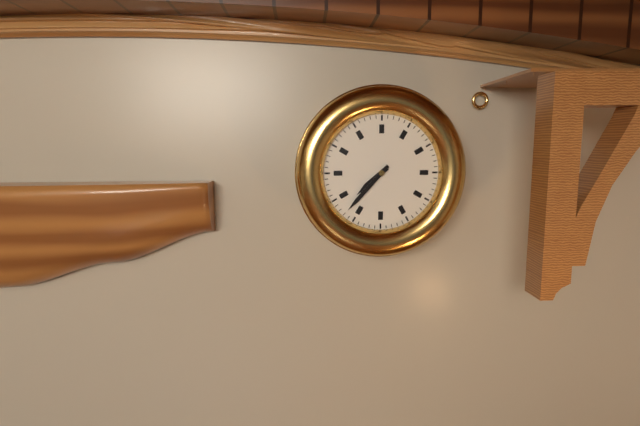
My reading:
7 h 37 min
